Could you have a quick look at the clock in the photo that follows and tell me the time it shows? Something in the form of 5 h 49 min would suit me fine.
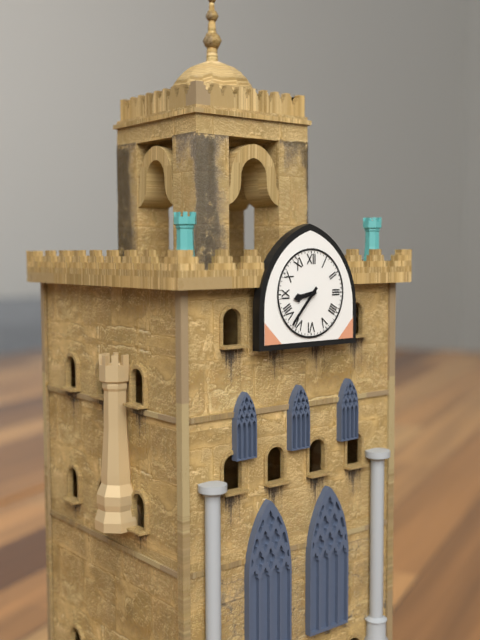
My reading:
8 h 37 min
